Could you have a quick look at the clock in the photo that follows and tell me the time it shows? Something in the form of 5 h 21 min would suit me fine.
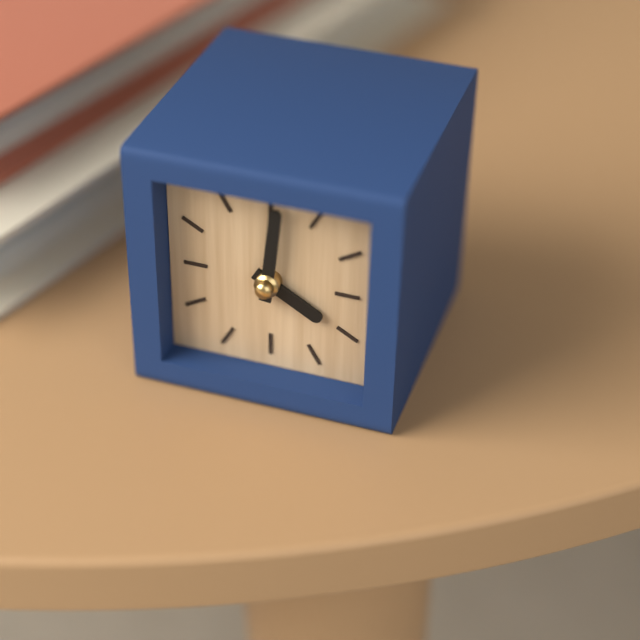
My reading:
4 h 01 min
